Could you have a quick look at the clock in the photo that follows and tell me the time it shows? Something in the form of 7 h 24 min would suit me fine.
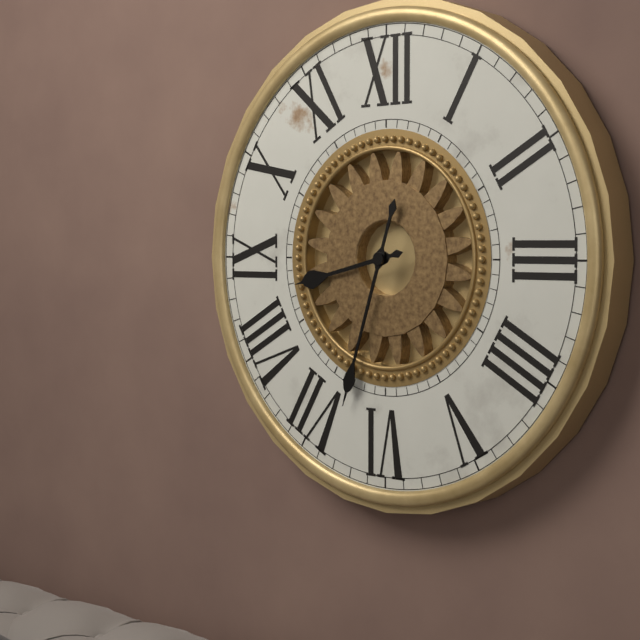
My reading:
8 h 33 min
